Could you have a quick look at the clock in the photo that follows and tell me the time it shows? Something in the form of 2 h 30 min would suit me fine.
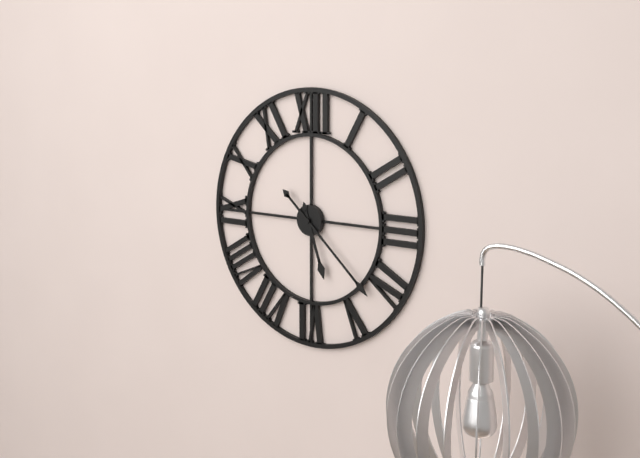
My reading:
5 h 22 min
